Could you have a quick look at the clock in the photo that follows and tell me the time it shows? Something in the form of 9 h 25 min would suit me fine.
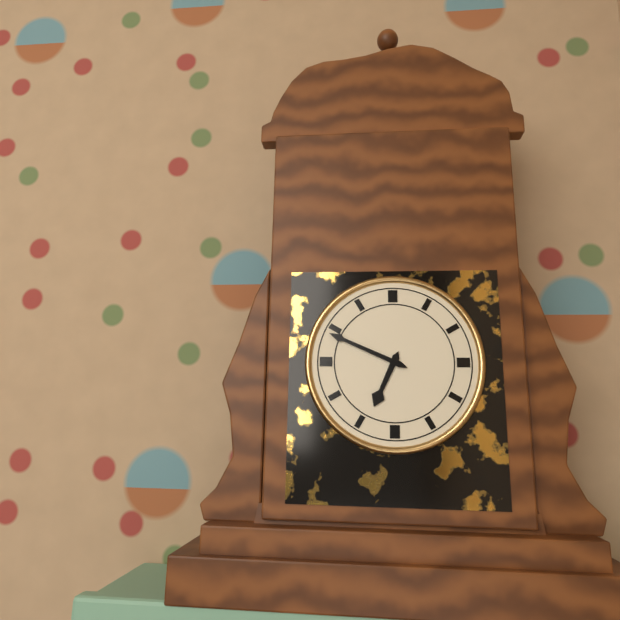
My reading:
6 h 49 min
